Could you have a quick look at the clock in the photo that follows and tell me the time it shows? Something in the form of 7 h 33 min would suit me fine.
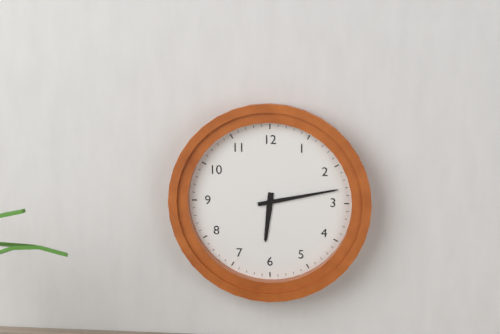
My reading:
6 h 13 min
